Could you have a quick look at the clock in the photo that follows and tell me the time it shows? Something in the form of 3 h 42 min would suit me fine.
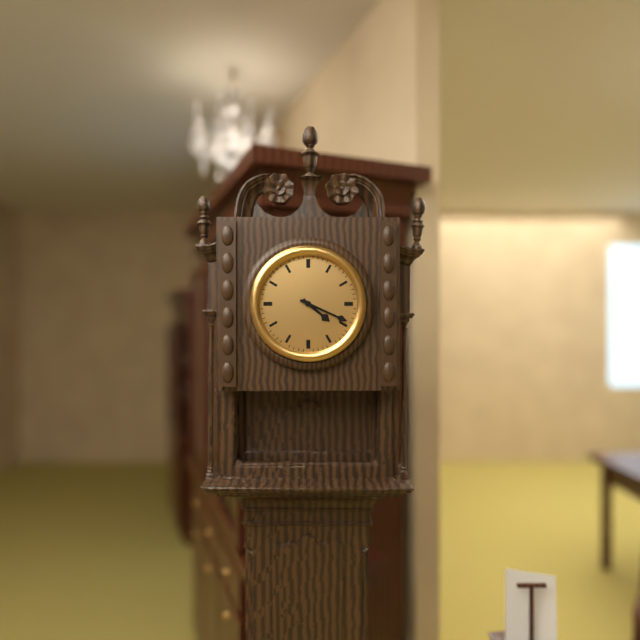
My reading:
4 h 19 min
